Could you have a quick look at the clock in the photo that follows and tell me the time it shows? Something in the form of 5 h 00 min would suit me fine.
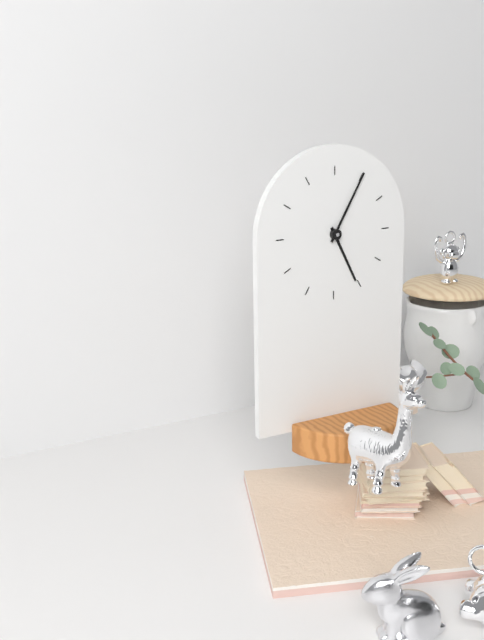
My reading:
5 h 05 min
